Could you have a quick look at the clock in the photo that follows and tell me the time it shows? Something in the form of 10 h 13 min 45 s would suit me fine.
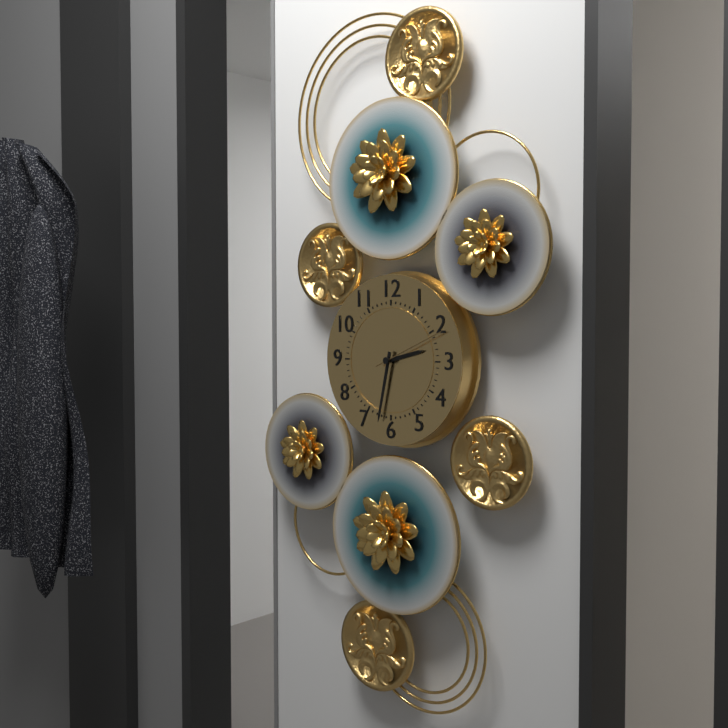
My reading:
2 h 32 min 11 s
